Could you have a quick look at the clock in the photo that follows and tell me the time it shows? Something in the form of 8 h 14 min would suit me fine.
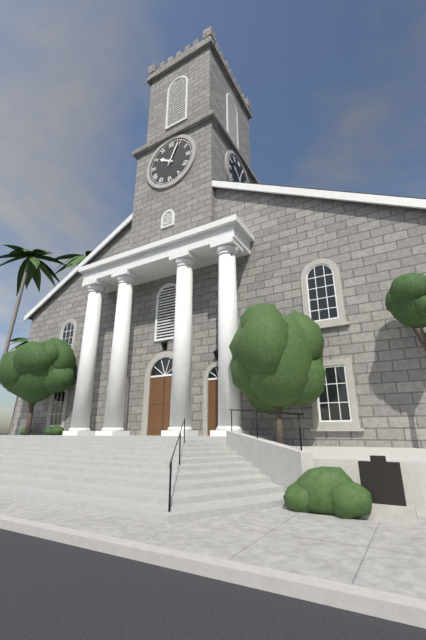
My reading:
10 h 04 min
